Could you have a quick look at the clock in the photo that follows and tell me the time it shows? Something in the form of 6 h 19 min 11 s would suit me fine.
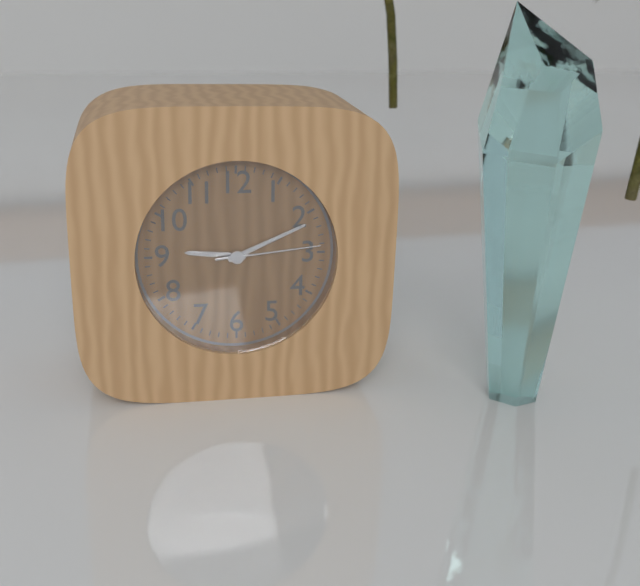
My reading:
9 h 11 min 14 s
